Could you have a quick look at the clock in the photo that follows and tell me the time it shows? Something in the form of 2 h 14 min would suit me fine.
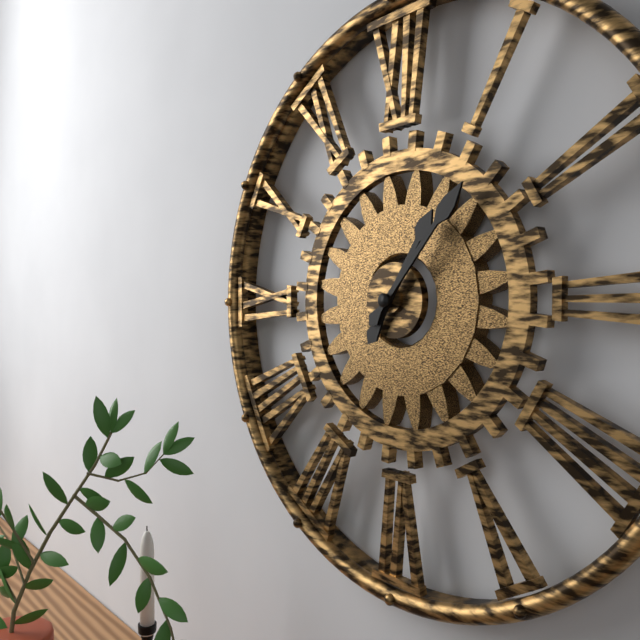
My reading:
1 h 07 min
